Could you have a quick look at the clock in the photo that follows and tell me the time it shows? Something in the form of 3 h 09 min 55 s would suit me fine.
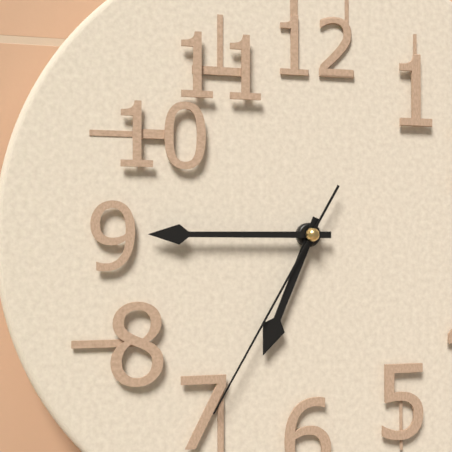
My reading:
6 h 45 min 35 s
